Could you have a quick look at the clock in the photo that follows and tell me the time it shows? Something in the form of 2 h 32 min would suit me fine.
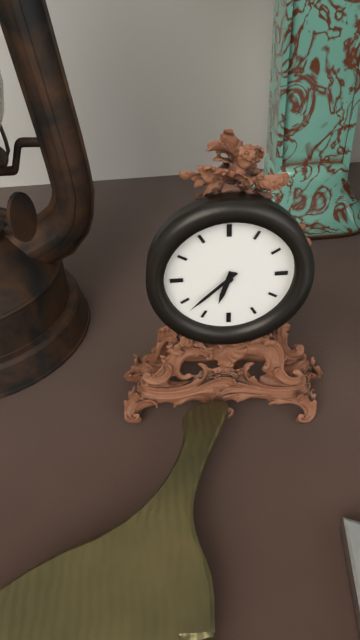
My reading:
6 h 38 min
